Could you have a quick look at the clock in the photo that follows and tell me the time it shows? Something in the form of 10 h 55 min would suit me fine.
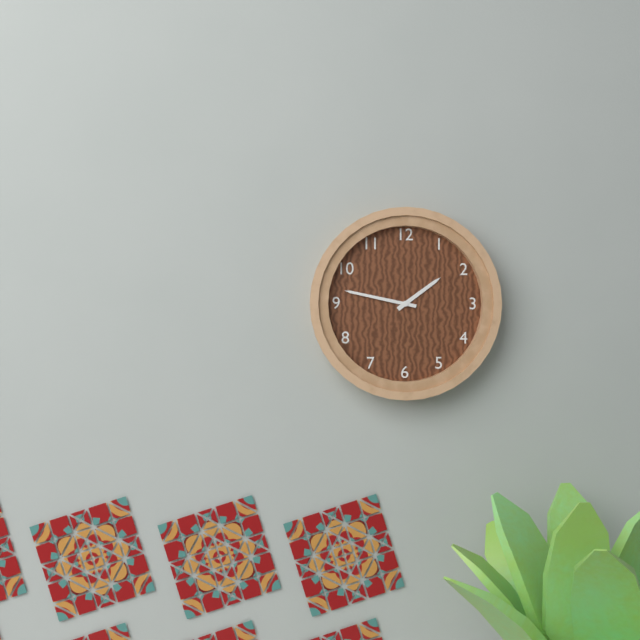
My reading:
1 h 47 min
